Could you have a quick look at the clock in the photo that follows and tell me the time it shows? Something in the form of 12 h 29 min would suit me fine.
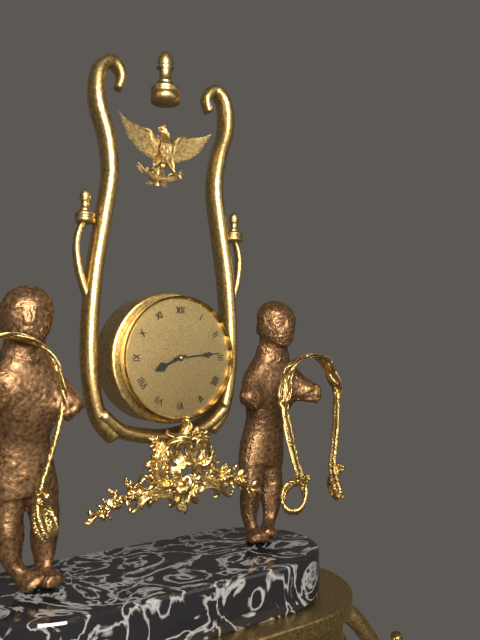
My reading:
8 h 14 min
